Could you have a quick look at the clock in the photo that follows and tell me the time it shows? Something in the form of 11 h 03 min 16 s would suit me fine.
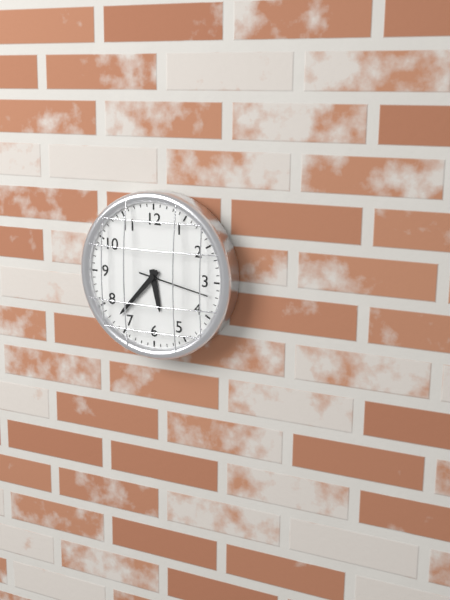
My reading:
5 h 37 min 17 s
